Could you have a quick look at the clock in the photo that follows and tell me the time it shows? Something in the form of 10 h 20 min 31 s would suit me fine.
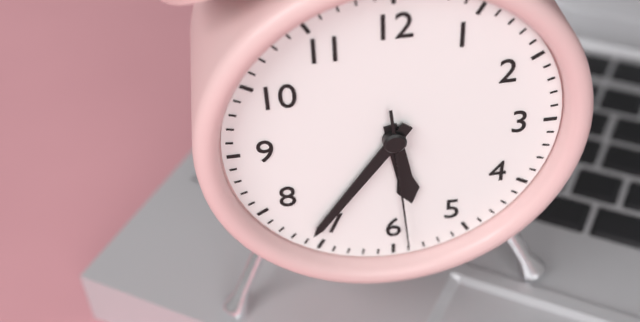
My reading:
5 h 36 min 29 s
